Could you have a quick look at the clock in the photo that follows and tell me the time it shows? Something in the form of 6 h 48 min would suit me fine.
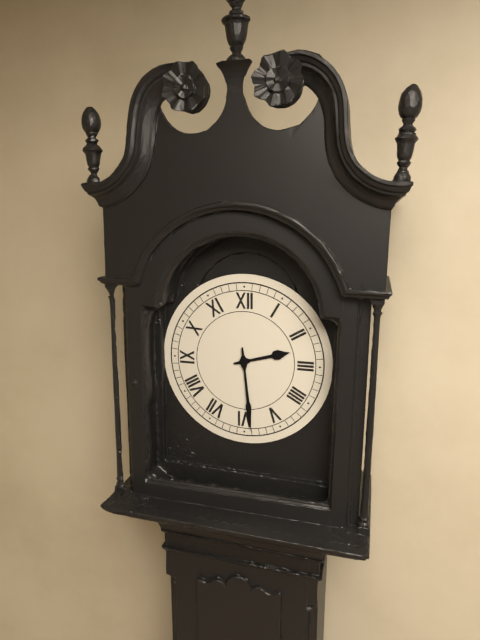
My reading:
2 h 29 min
